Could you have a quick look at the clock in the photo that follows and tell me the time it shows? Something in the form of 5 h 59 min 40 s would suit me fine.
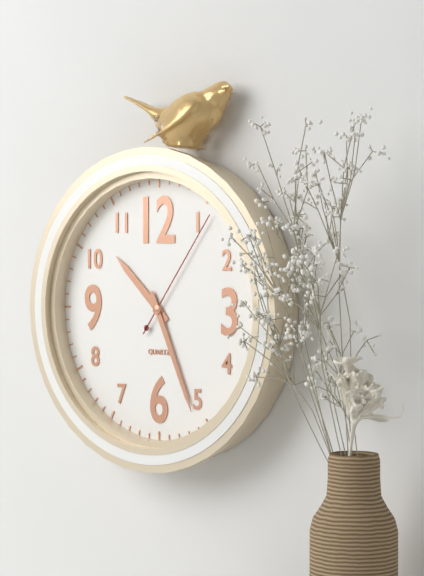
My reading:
10 h 26 min 06 s
